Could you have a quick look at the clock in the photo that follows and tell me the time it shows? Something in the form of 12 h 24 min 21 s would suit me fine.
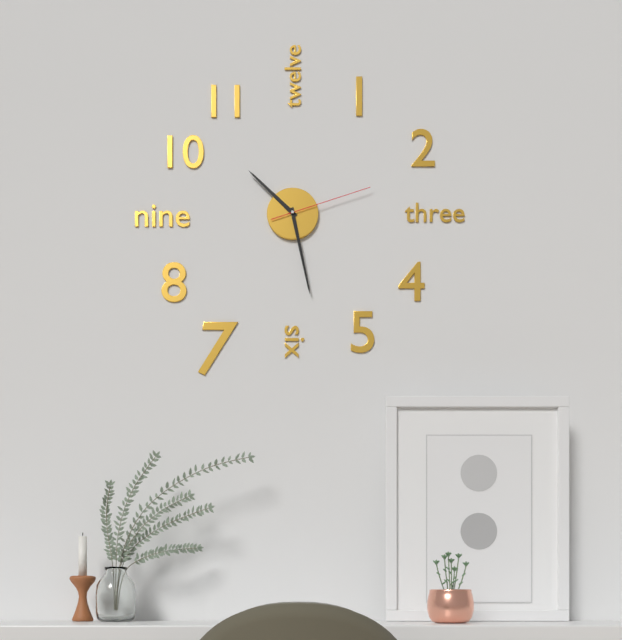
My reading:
10 h 28 min 12 s
